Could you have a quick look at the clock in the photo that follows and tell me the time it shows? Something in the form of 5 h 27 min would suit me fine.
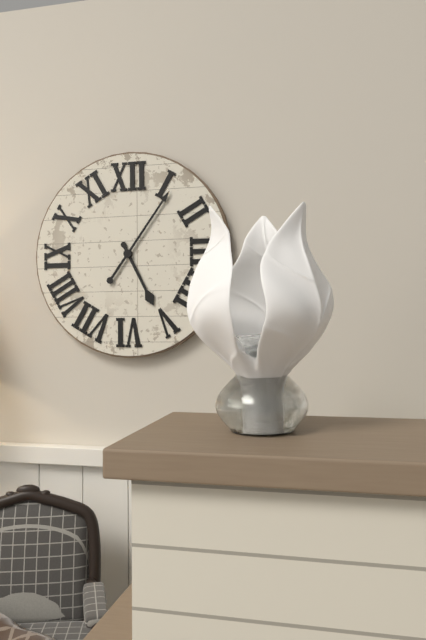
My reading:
5 h 06 min
